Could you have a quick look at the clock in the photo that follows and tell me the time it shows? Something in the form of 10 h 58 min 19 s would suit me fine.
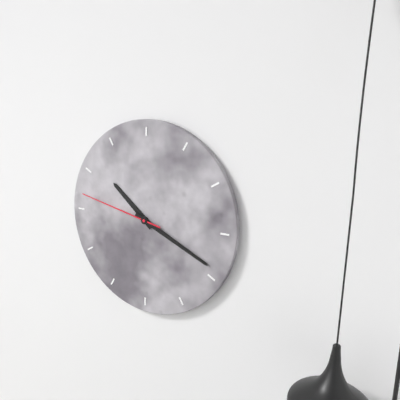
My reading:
10 h 19 min 47 s
